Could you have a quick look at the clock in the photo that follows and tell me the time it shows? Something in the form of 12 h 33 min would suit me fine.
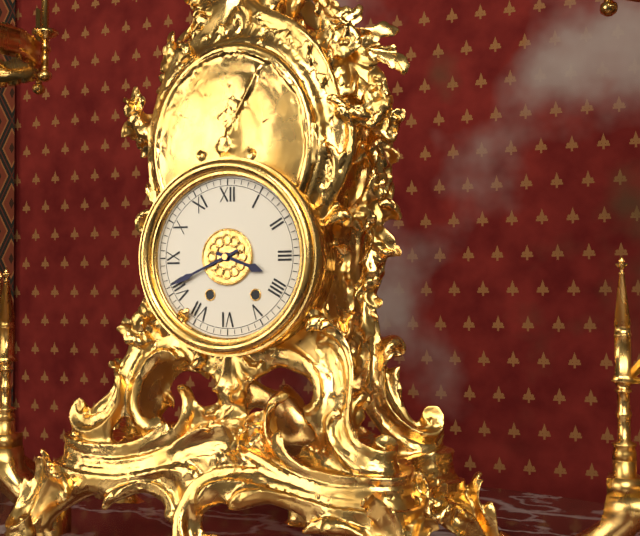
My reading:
3 h 41 min
